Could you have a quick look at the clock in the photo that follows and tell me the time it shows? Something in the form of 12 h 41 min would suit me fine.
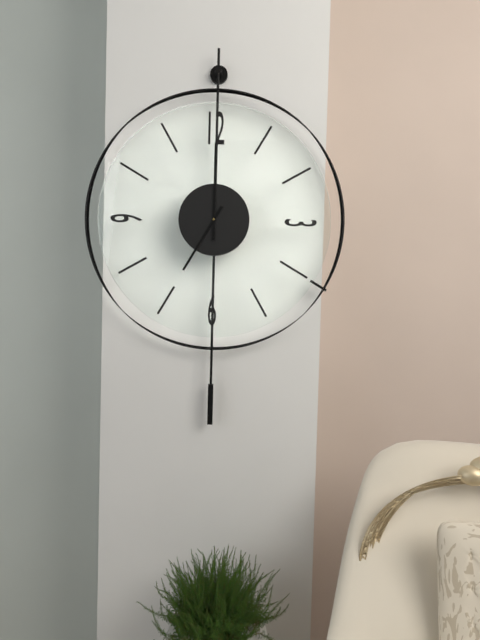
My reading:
7 h 00 min
